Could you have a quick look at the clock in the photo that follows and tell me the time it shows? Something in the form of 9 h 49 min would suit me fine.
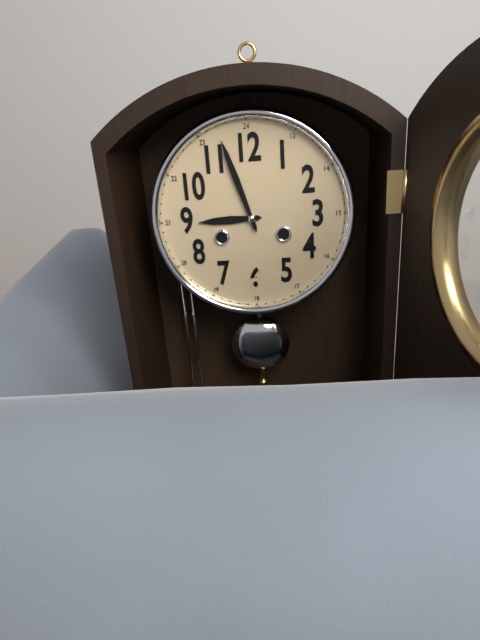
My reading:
8 h 57 min
